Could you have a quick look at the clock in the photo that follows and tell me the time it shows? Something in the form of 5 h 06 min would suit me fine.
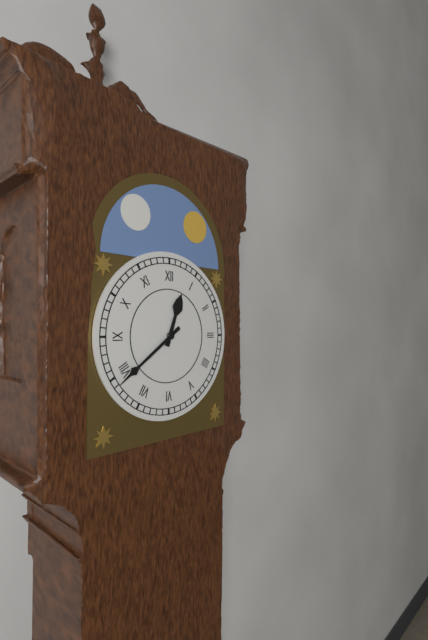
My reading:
12 h 39 min
